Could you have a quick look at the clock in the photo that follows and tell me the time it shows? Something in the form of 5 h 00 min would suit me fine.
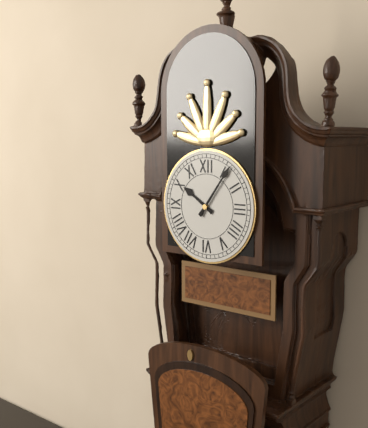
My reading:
10 h 06 min
